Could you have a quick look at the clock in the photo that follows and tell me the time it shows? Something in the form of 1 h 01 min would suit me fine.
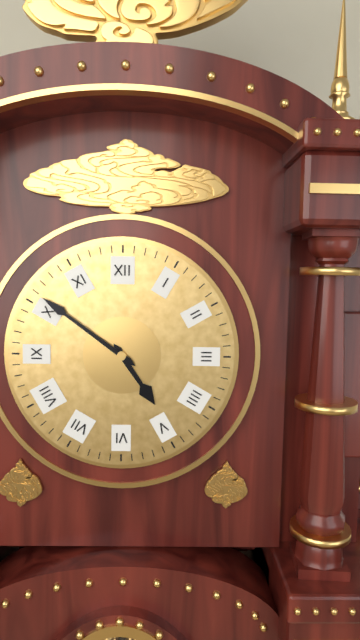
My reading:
4 h 51 min
